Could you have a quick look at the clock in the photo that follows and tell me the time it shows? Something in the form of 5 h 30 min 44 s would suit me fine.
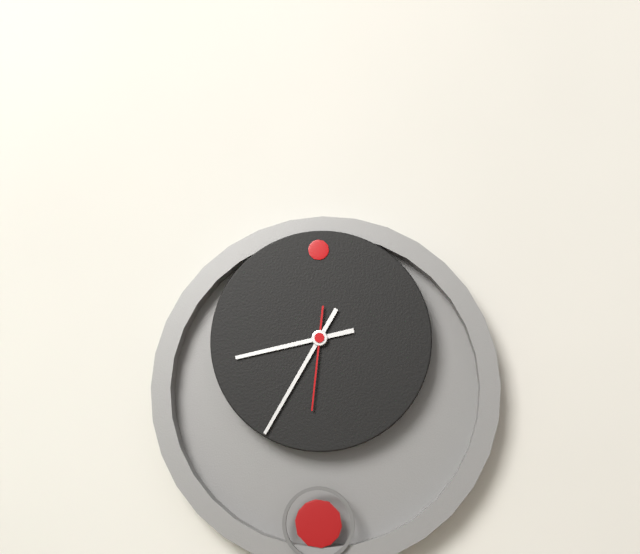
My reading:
8 h 35 min 31 s
